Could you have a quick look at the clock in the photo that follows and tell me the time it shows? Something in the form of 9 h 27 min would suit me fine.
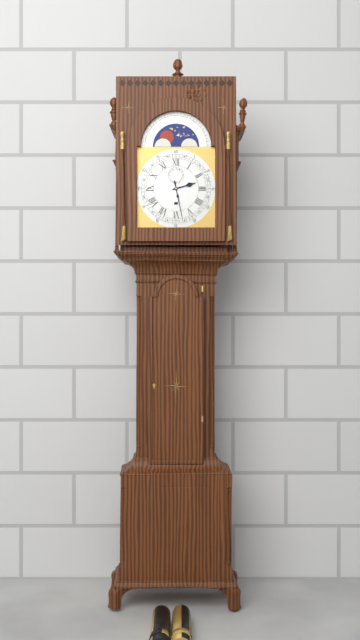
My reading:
2 h 28 min
